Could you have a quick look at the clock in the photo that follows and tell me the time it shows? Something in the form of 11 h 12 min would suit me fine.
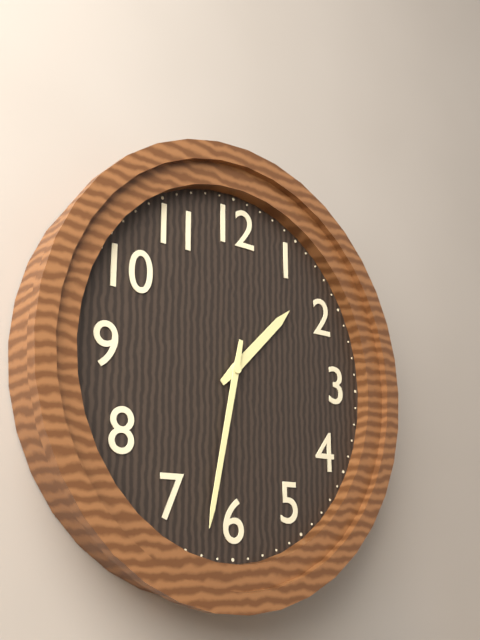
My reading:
1 h 32 min
